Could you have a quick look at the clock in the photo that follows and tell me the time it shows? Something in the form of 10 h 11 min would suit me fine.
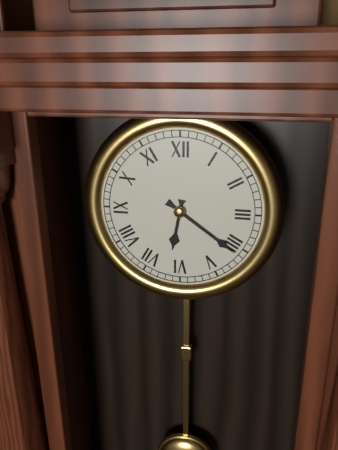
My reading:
6 h 21 min
